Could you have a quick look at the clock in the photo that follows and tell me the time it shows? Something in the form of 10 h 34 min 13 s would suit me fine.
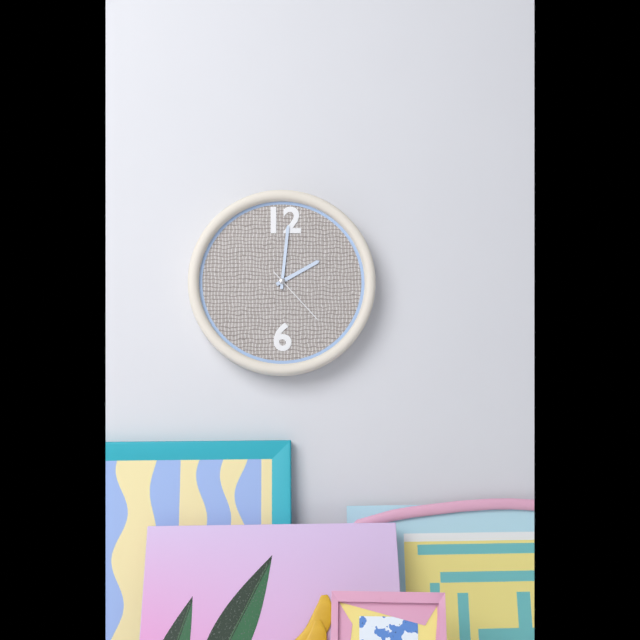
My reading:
2 h 01 min 23 s
